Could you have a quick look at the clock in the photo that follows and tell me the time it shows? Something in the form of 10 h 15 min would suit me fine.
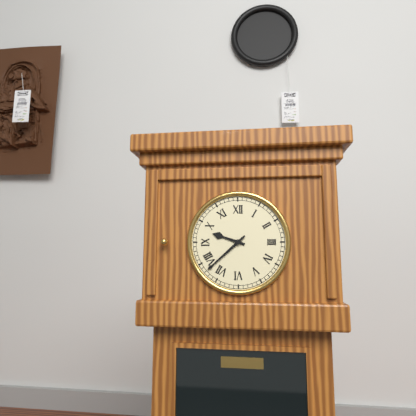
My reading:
9 h 38 min
